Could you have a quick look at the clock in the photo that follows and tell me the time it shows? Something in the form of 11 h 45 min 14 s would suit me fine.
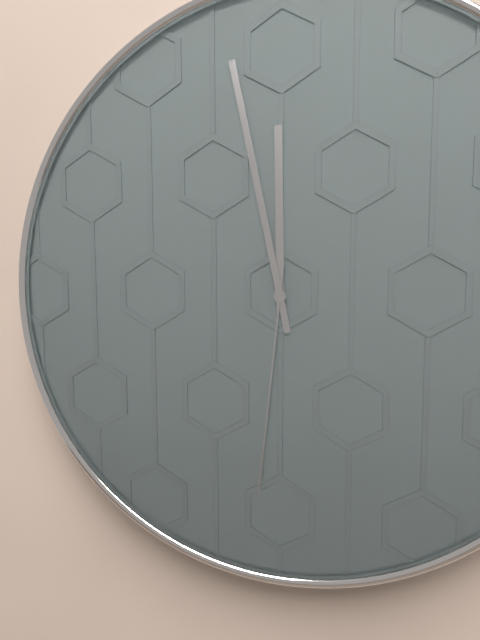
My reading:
11 h 58 min 31 s
